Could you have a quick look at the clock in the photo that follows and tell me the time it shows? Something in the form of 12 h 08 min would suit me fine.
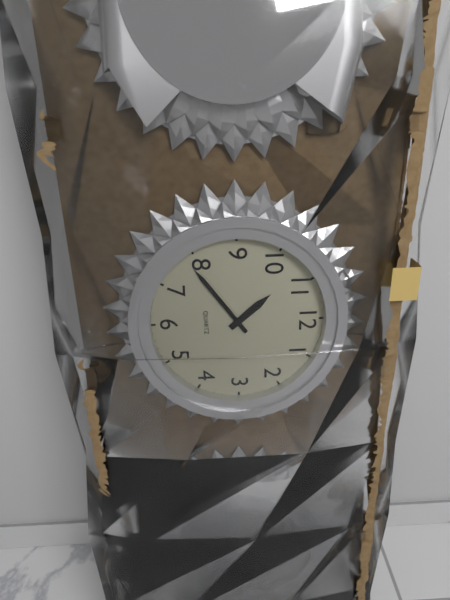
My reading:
10 h 39 min
